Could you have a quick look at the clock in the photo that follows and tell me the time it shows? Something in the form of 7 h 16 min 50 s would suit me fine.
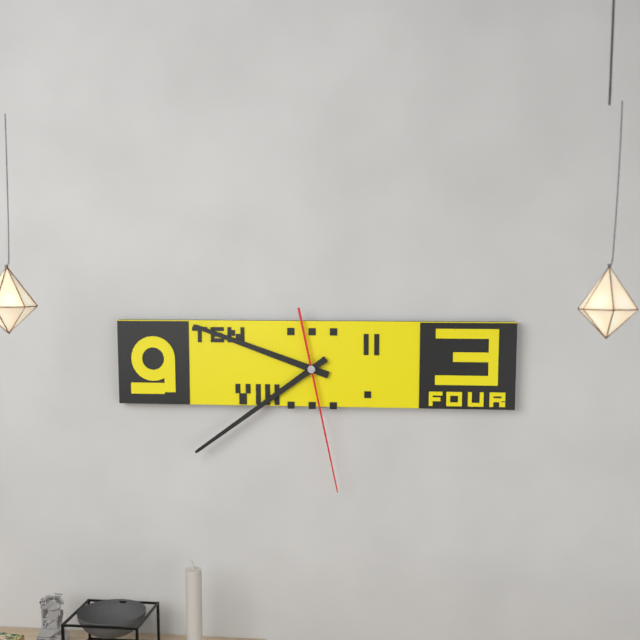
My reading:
9 h 39 min 28 s
